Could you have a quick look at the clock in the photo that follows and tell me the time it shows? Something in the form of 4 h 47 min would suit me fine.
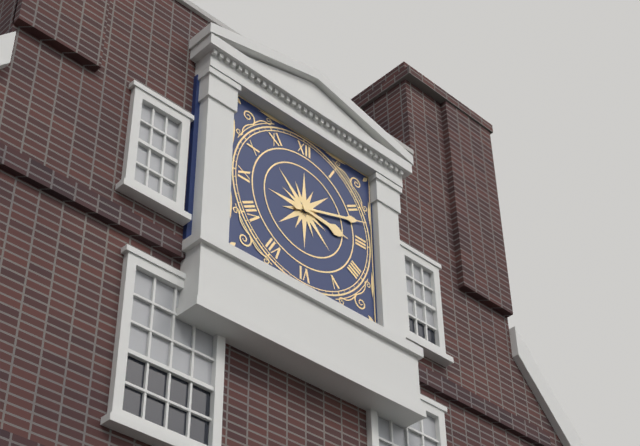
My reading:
3 h 12 min
